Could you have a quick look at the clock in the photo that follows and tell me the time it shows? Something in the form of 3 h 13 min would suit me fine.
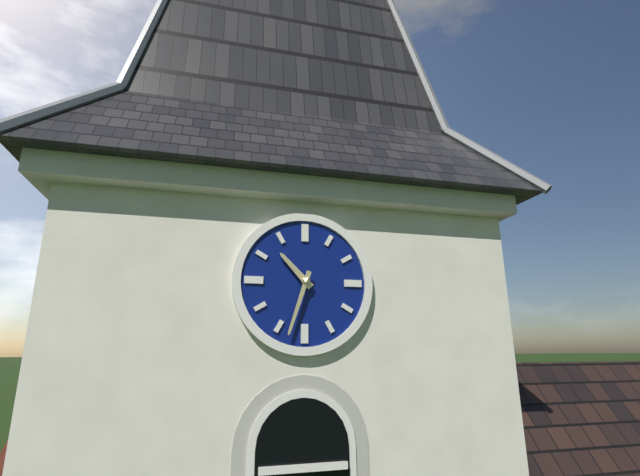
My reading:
10 h 33 min
